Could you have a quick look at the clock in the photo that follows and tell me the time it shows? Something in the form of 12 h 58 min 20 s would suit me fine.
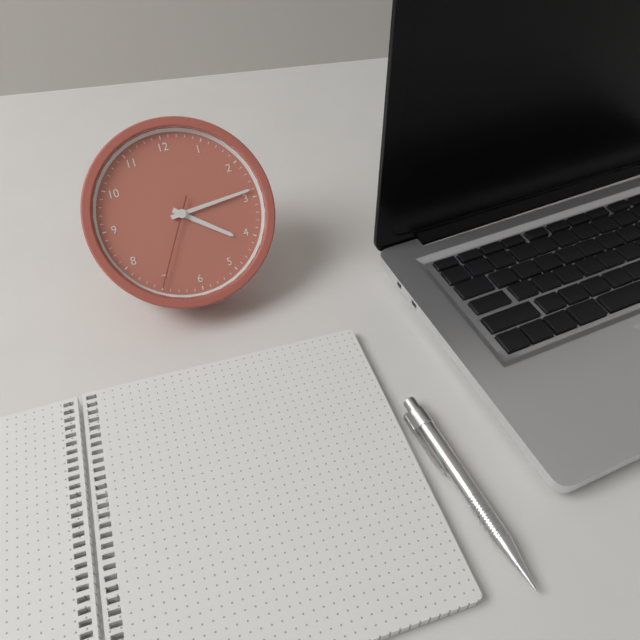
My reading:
4 h 14 min 35 s
